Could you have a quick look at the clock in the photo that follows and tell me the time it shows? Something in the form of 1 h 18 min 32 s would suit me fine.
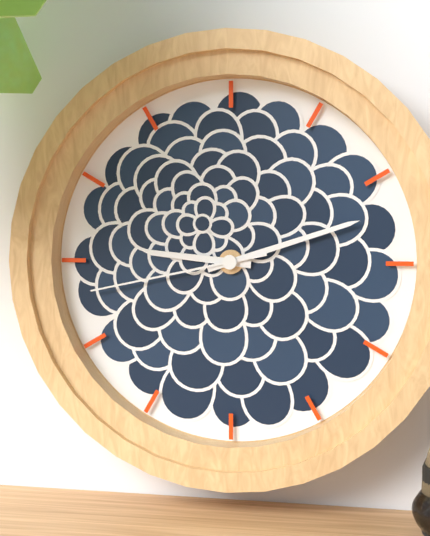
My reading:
9 h 12 min 43 s
